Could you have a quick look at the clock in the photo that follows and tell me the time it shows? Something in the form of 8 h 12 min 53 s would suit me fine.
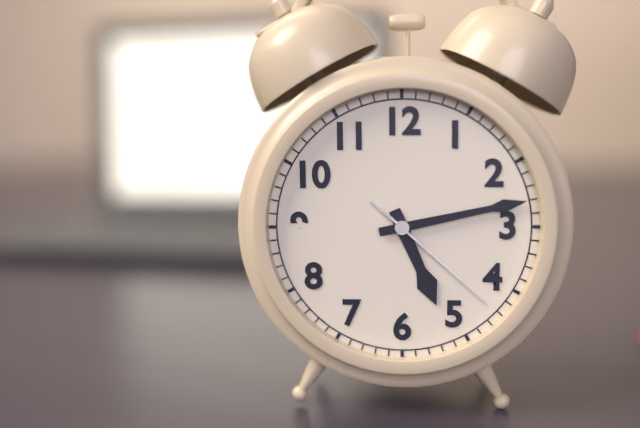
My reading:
5 h 13 min 22 s
